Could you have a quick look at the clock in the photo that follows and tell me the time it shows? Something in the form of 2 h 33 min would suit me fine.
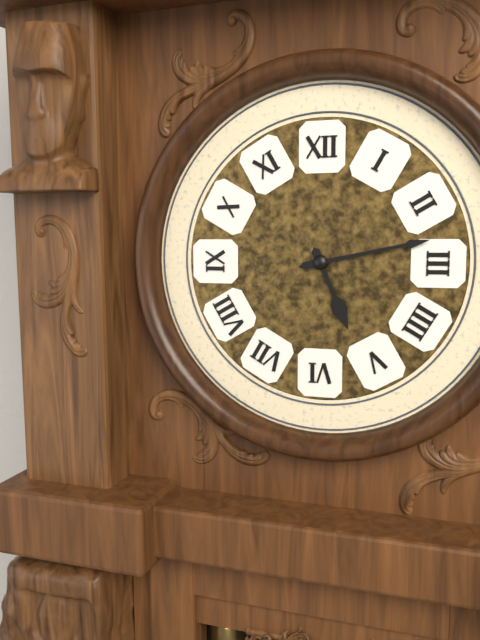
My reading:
5 h 13 min
